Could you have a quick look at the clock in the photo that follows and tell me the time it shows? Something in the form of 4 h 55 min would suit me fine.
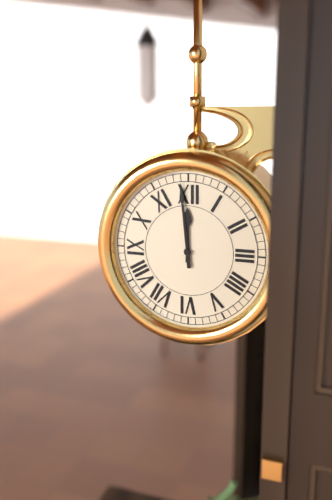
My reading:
11 h 59 min
